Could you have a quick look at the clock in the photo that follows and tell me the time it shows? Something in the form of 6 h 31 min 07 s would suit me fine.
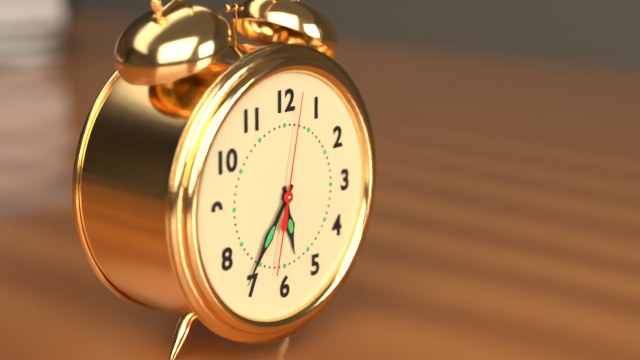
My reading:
5 h 36 min 02 s
